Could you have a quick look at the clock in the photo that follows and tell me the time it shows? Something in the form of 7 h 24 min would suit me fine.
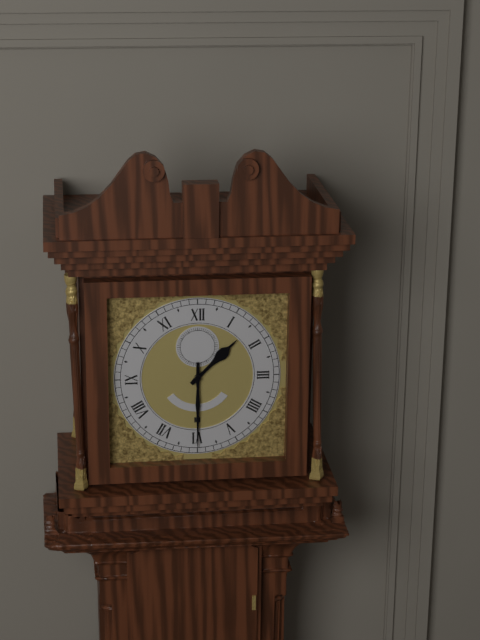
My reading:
1 h 30 min
